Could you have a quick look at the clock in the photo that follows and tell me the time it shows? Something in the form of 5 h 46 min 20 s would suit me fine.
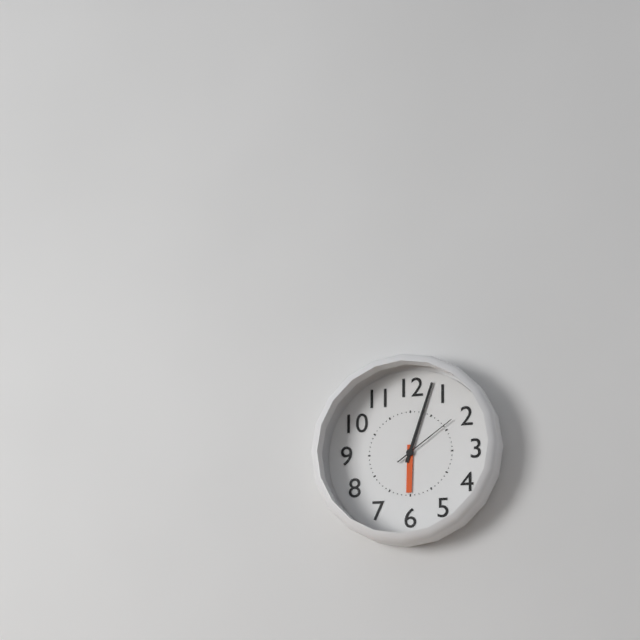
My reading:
6 h 03 min 09 s
